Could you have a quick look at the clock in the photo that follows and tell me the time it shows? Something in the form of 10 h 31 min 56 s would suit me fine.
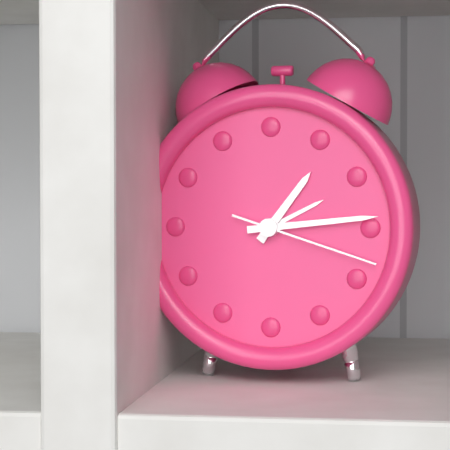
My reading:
1 h 14 min 18 s
